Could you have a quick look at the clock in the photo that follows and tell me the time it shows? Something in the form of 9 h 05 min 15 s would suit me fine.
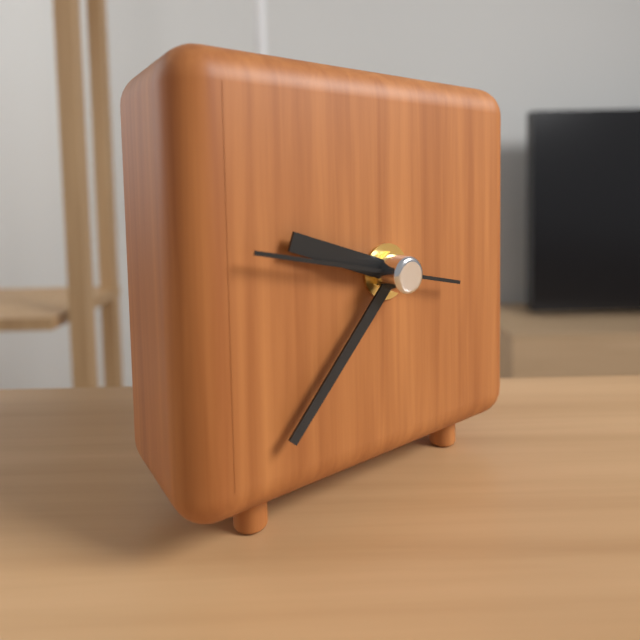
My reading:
9 h 37 min 47 s
